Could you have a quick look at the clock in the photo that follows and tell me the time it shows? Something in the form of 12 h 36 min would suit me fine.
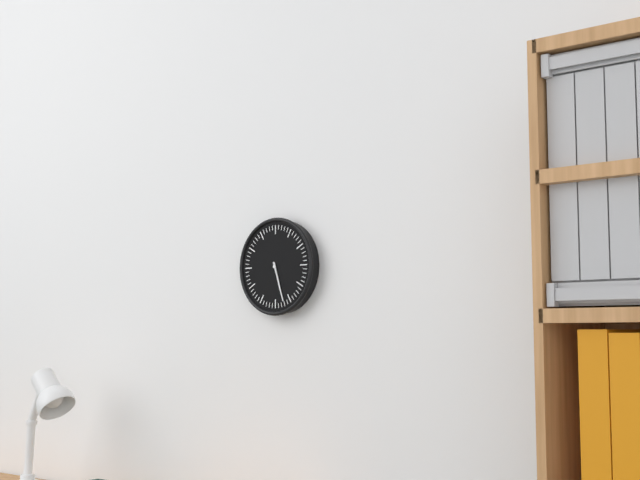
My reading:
5 h 27 min
